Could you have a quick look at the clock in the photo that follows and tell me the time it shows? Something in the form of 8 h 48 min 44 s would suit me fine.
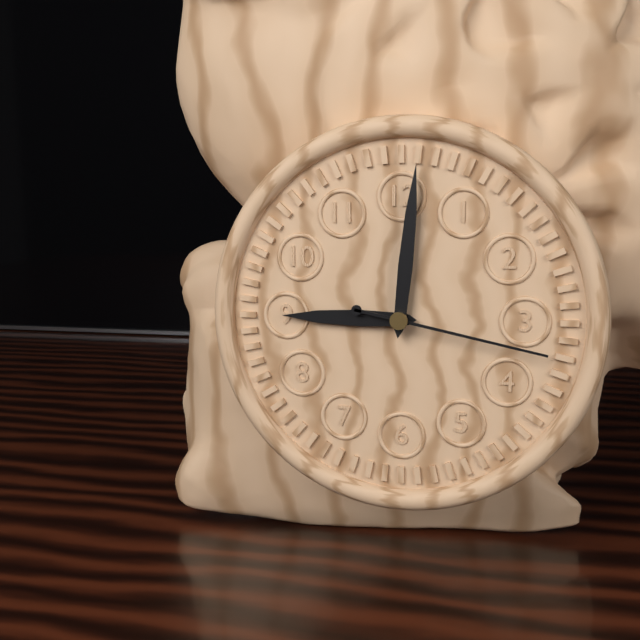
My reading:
9 h 01 min 17 s
